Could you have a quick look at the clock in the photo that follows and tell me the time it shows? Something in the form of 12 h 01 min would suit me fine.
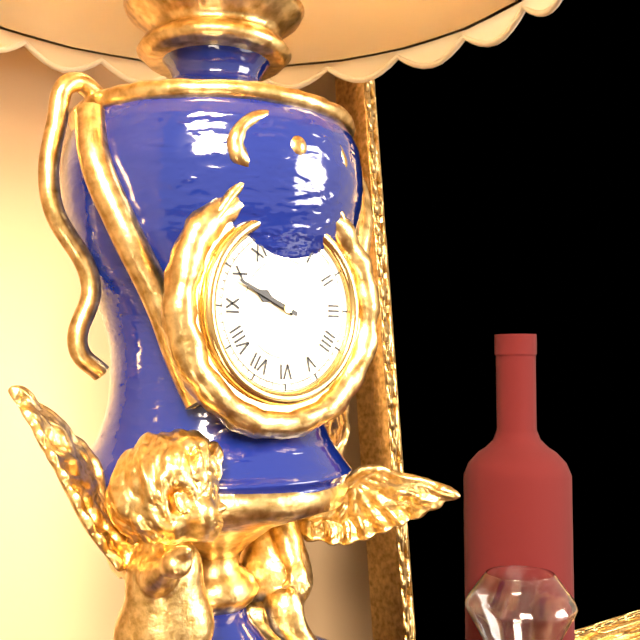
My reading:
9 h 49 min
